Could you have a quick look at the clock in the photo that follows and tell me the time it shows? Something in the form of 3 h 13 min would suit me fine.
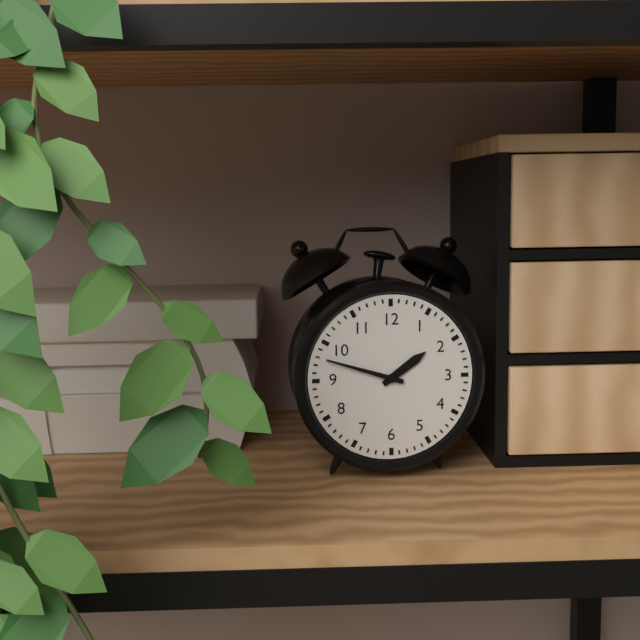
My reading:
1 h 48 min
